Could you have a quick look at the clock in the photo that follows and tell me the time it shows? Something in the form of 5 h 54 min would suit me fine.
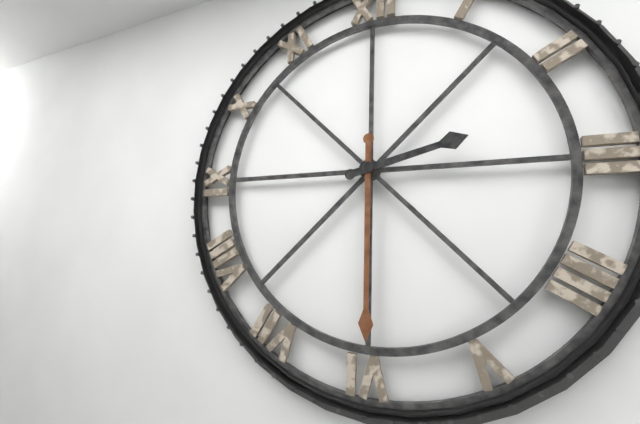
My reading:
2 h 30 min
